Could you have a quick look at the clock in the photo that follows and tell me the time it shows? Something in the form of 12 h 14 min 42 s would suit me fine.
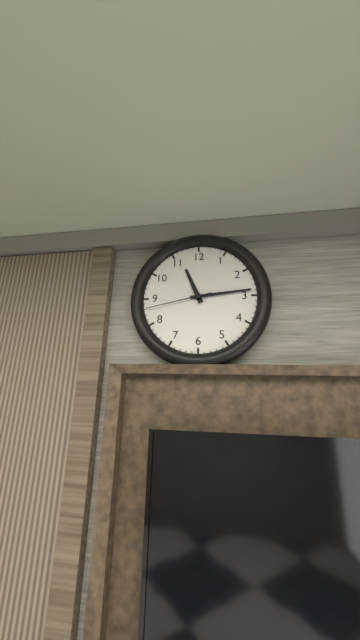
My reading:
11 h 14 min 43 s
